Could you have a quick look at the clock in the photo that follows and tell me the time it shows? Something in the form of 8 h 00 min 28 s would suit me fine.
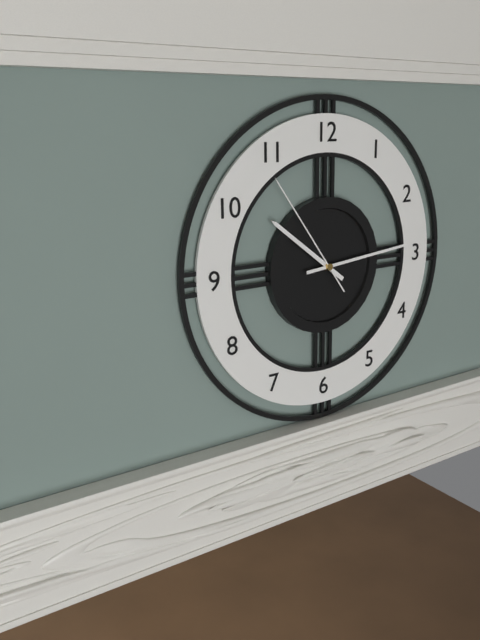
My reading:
10 h 14 min 54 s
